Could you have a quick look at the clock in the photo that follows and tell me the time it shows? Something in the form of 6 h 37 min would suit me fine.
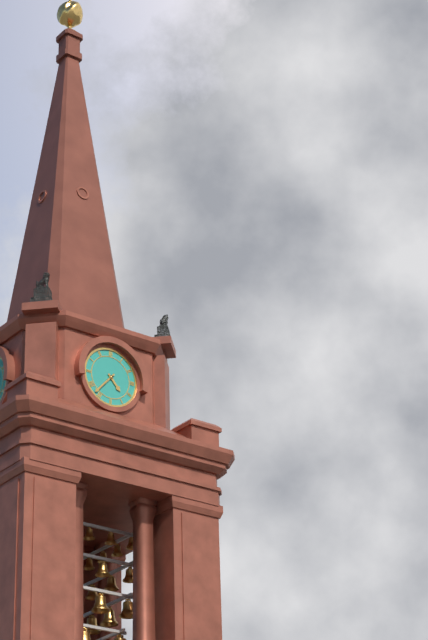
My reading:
4 h 37 min
